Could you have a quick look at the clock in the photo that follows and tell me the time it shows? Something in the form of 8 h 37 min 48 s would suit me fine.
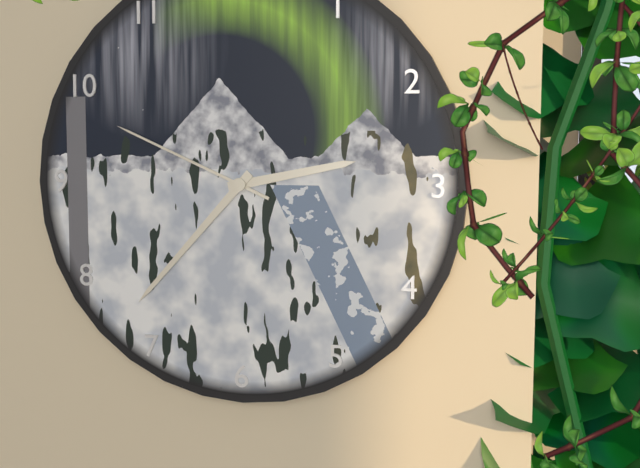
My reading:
2 h 37 min 49 s
